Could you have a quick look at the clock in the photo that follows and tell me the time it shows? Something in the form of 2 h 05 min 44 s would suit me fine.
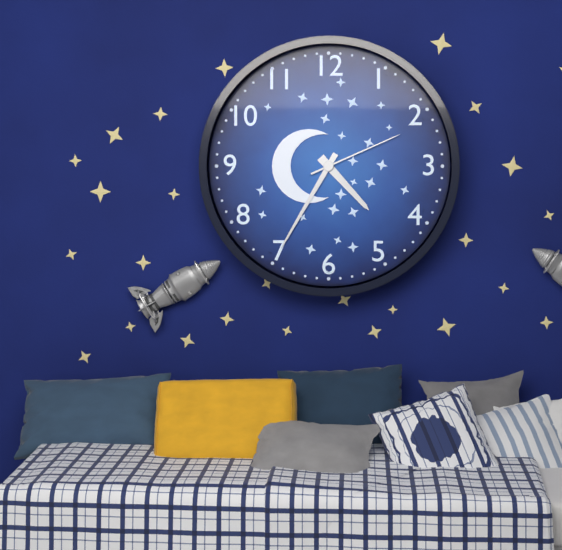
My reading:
4 h 35 min 11 s
